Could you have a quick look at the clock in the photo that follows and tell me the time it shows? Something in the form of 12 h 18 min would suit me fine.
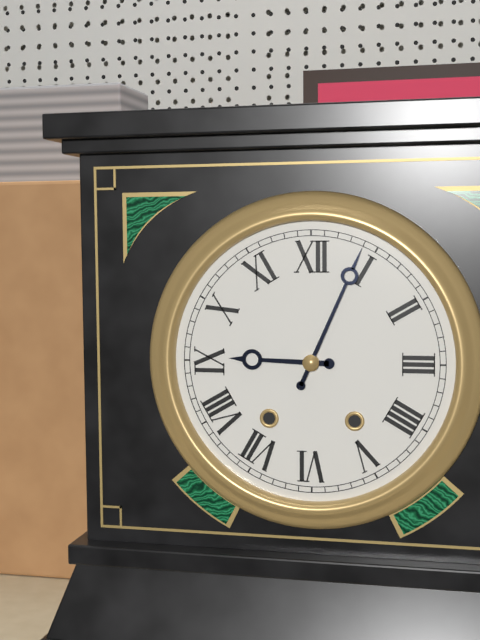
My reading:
9 h 04 min
